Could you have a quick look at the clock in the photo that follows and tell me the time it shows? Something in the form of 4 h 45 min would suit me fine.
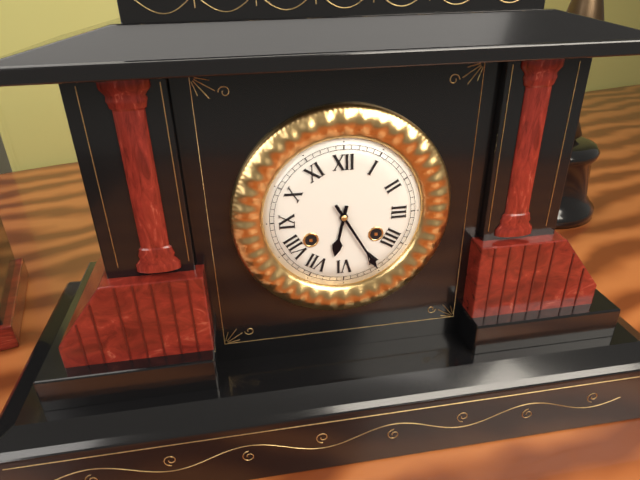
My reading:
6 h 25 min
